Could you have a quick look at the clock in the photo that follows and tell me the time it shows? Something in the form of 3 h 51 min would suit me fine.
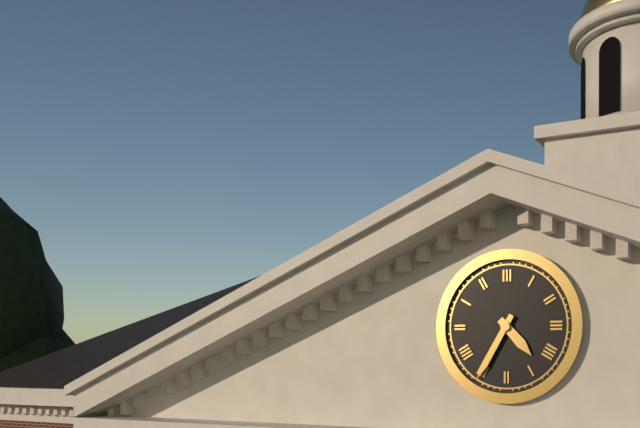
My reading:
4 h 35 min
